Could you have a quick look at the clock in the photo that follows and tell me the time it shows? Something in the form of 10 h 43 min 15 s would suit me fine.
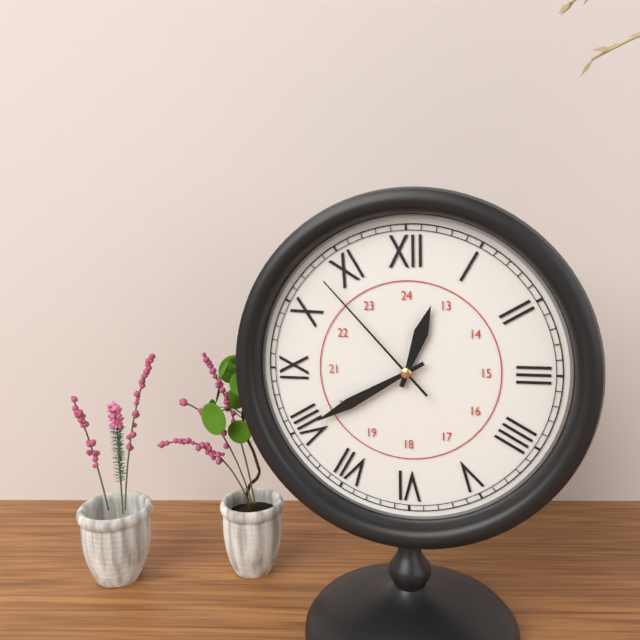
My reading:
12 h 40 min 53 s
